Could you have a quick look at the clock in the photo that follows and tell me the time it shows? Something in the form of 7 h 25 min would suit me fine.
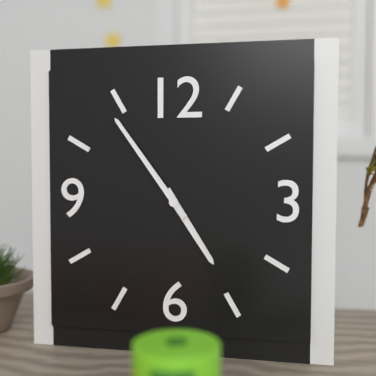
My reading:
4 h 54 min
